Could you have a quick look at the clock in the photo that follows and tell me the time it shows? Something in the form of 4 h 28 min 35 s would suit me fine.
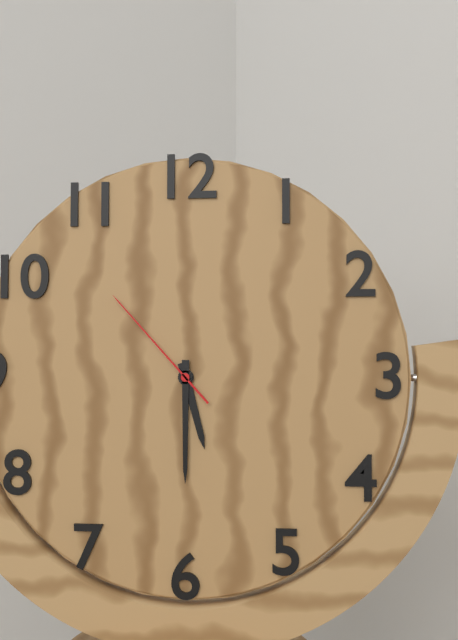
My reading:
5 h 30 min 53 s
